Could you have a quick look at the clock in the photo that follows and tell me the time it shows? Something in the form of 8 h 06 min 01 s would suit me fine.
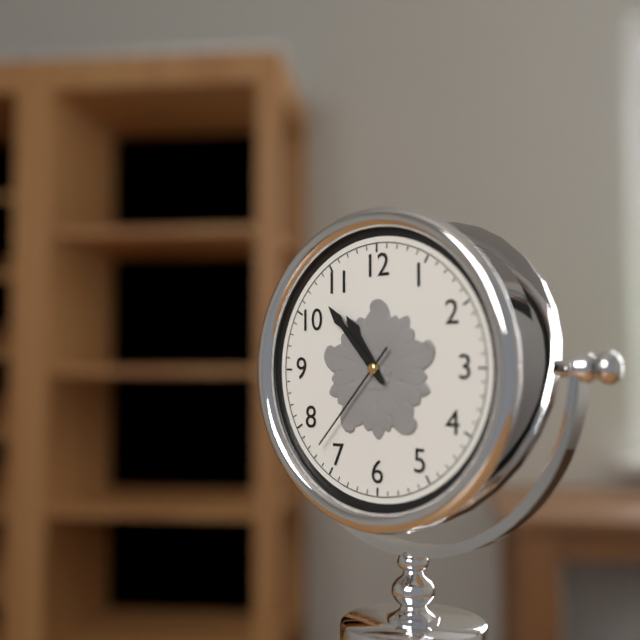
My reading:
10 h 53 min 37 s
